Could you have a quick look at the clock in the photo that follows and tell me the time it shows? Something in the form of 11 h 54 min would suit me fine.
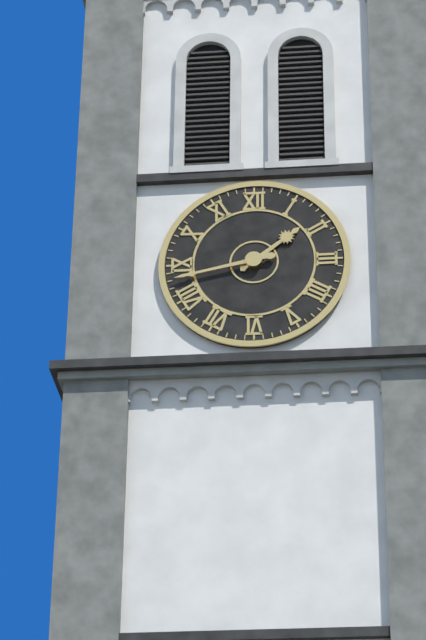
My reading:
1 h 43 min
